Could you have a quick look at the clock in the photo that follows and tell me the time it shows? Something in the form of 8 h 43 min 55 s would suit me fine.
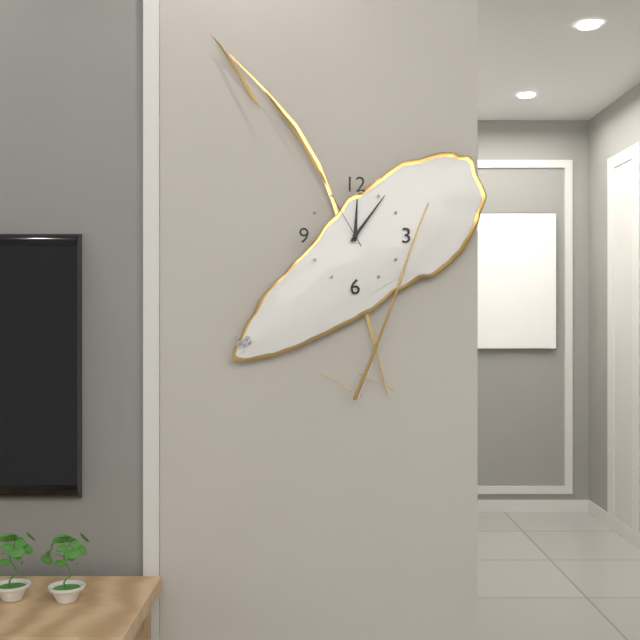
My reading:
12 h 06 min 55 s
